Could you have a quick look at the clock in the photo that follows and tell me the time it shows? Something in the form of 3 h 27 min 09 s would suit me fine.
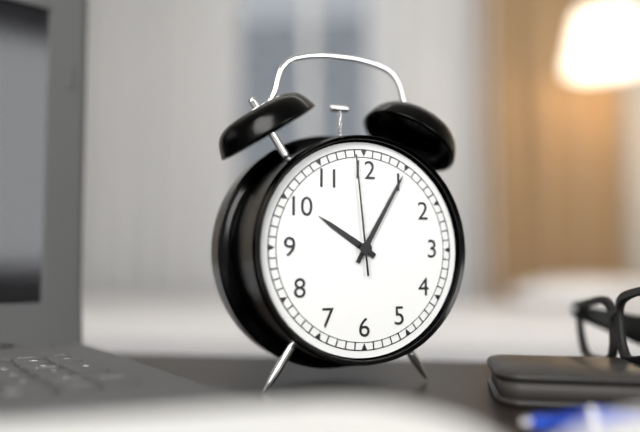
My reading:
10 h 05 min 59 s
